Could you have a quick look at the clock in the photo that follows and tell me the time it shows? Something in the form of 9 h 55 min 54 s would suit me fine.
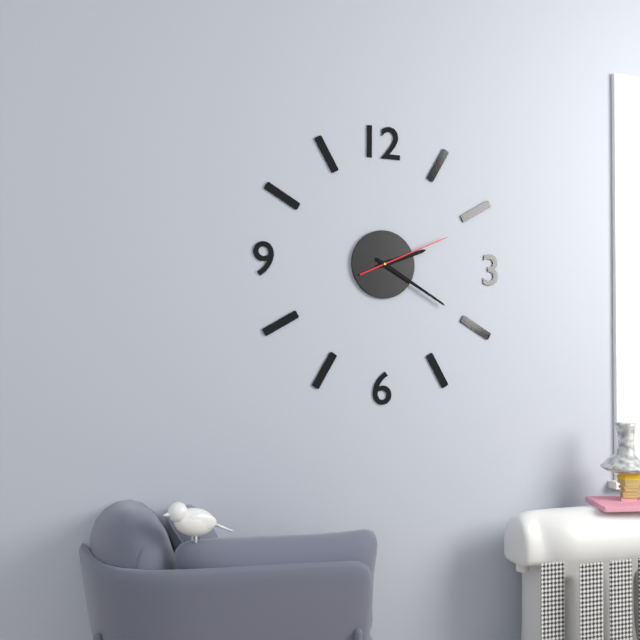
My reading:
2 h 20 min 11 s
